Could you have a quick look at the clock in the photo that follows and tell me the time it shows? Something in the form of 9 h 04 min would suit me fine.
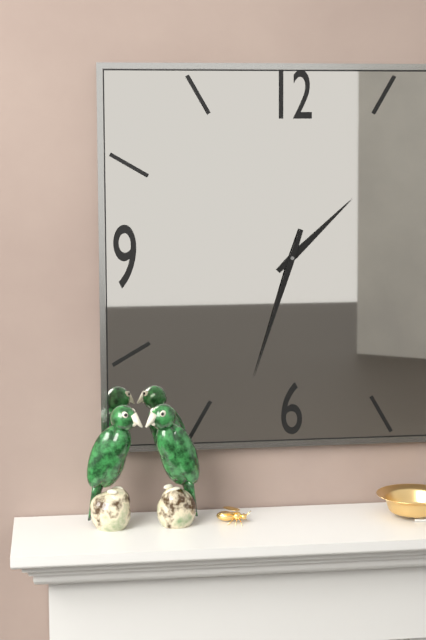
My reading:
1 h 33 min
